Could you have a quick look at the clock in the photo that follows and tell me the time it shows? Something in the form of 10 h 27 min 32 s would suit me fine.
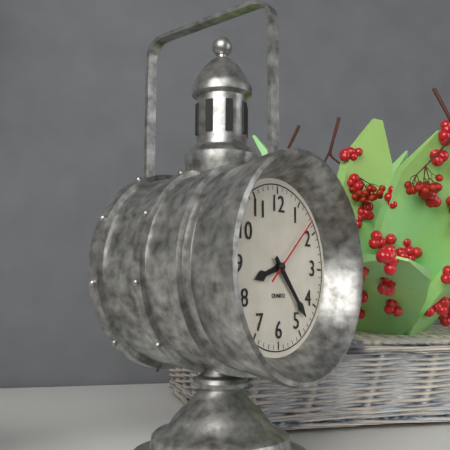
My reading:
8 h 23 min 08 s
